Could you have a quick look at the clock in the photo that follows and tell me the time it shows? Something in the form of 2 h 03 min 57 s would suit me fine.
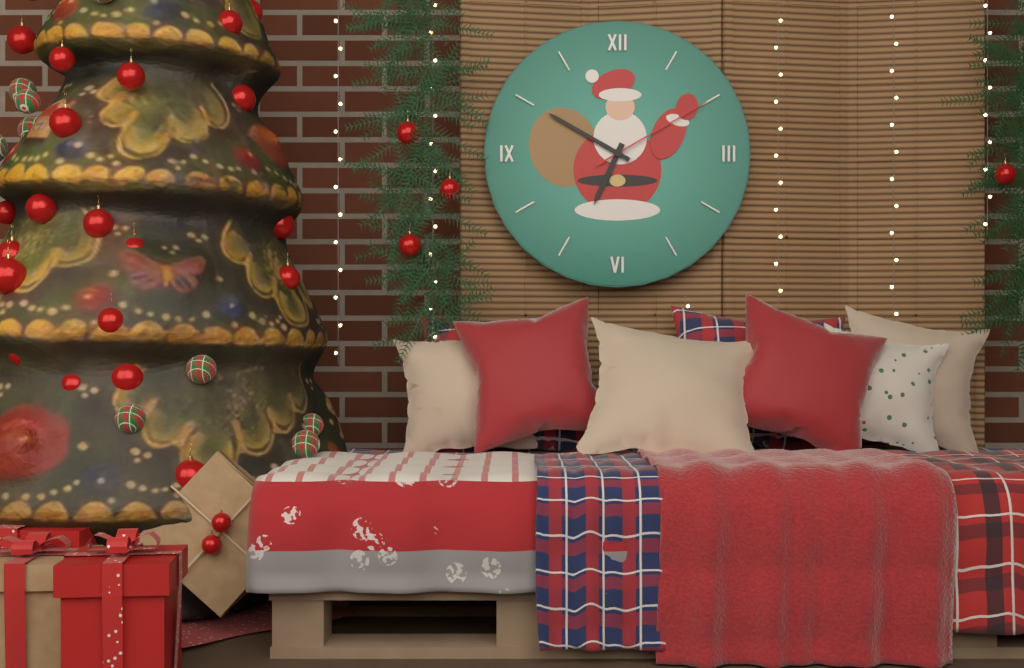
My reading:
6 h 50 min 10 s
